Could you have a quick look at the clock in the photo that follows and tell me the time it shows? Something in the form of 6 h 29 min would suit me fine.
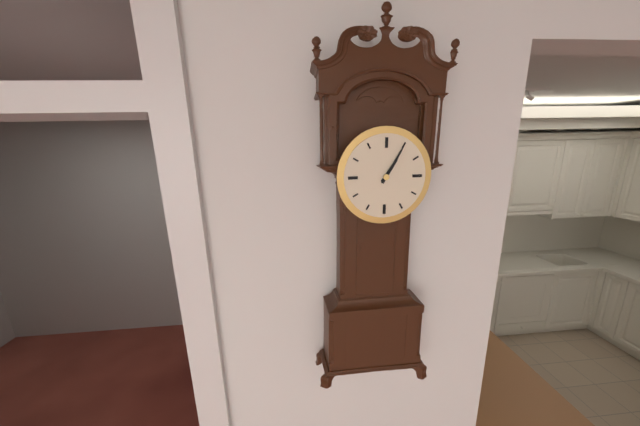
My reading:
1 h 05 min
